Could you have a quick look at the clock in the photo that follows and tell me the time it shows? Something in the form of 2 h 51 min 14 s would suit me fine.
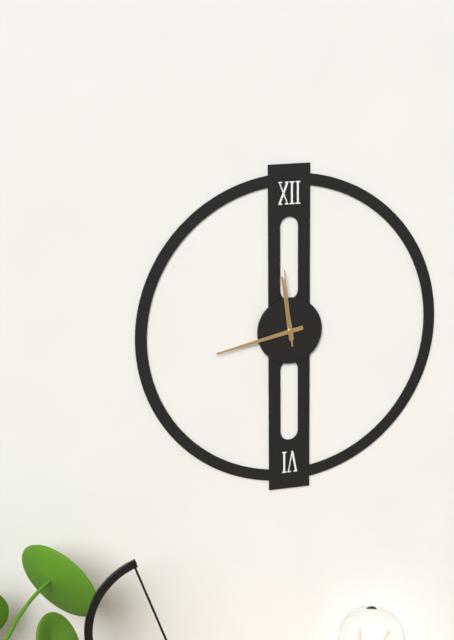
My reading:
11 h 43 min 59 s
